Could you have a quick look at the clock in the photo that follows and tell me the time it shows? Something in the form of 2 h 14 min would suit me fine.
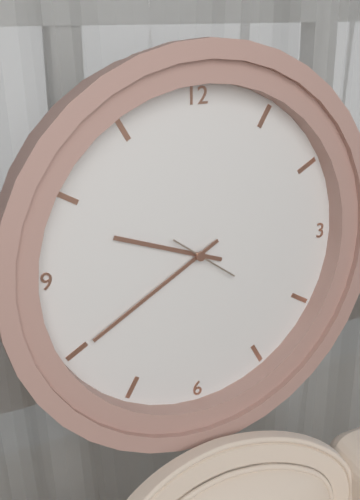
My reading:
9 h 40 min
